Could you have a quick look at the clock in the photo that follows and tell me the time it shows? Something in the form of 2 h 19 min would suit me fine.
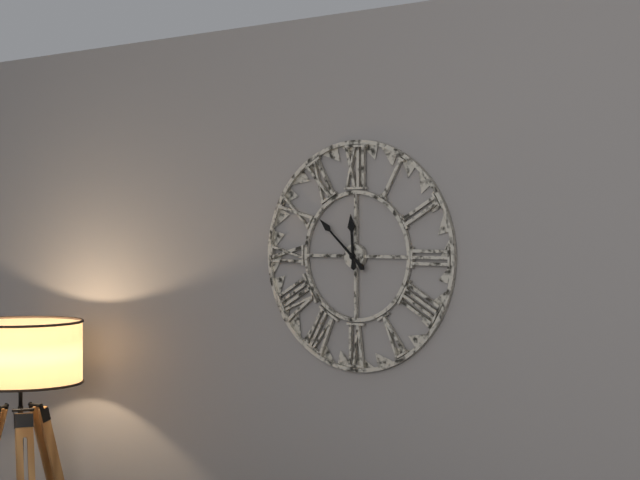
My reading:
11 h 52 min
